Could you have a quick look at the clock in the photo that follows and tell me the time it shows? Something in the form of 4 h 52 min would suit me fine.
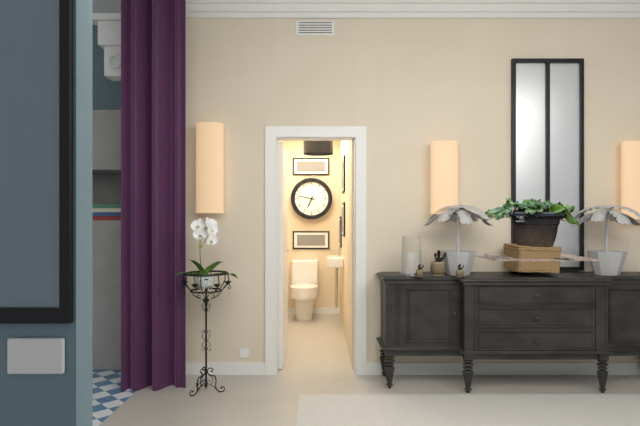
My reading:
6 h 47 min
